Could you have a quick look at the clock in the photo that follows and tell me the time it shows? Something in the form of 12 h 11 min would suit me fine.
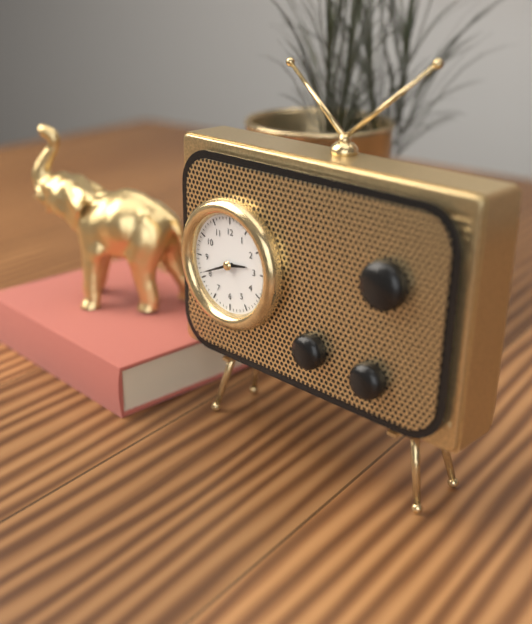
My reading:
2 h 41 min
